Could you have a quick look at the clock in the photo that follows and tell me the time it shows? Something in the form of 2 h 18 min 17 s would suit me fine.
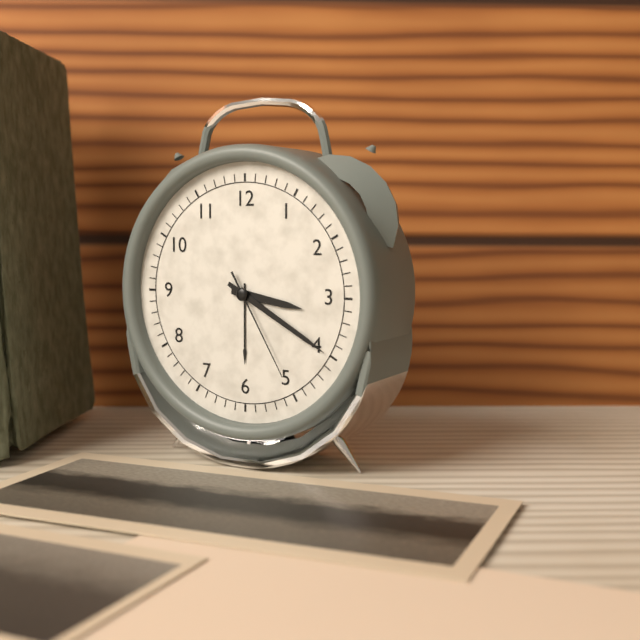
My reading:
3 h 20 min 25 s
